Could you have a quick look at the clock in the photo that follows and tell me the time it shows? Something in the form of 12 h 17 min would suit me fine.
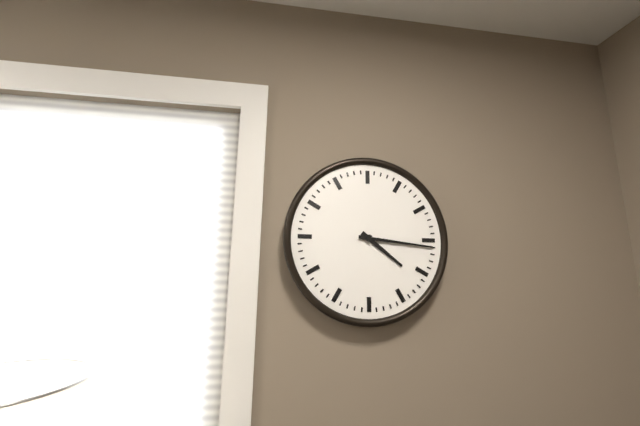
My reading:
4 h 16 min
